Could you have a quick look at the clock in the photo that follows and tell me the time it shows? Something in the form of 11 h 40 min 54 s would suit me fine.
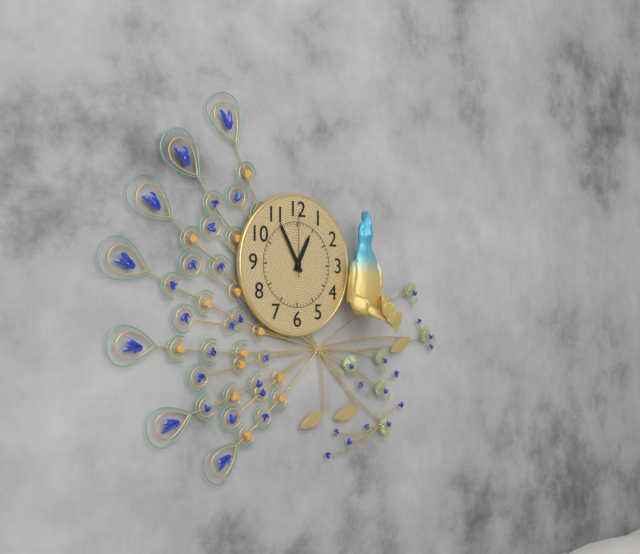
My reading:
12 h 55 min 00 s
